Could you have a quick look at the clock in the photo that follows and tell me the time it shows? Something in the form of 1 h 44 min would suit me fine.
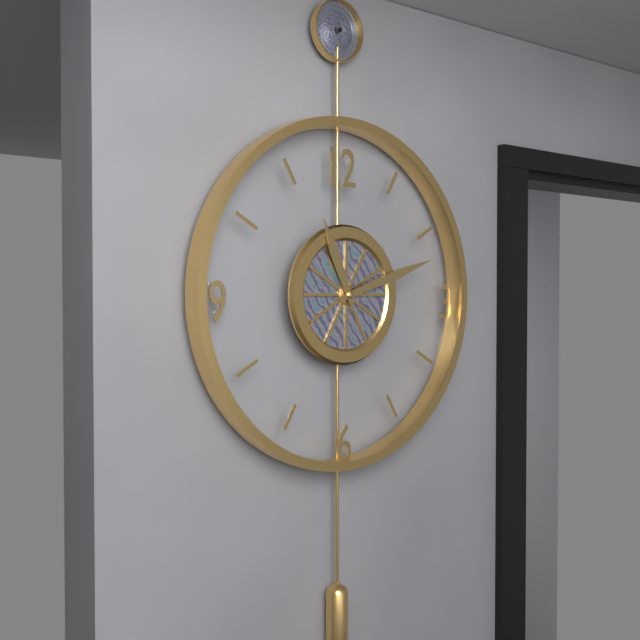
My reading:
11 h 12 min
